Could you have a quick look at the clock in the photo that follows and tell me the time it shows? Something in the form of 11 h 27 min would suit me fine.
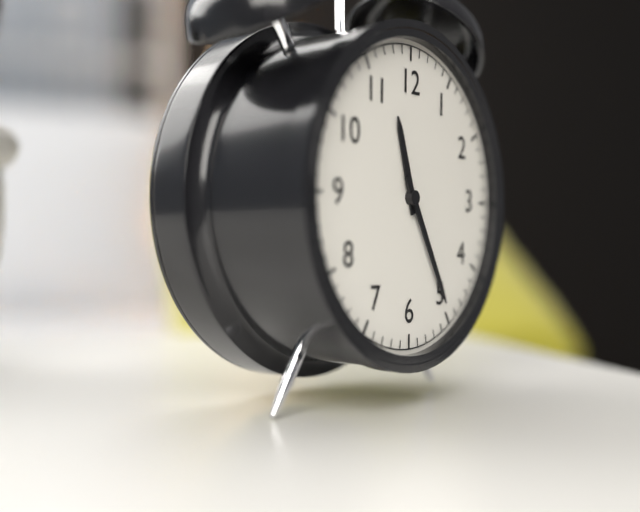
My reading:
11 h 25 min
